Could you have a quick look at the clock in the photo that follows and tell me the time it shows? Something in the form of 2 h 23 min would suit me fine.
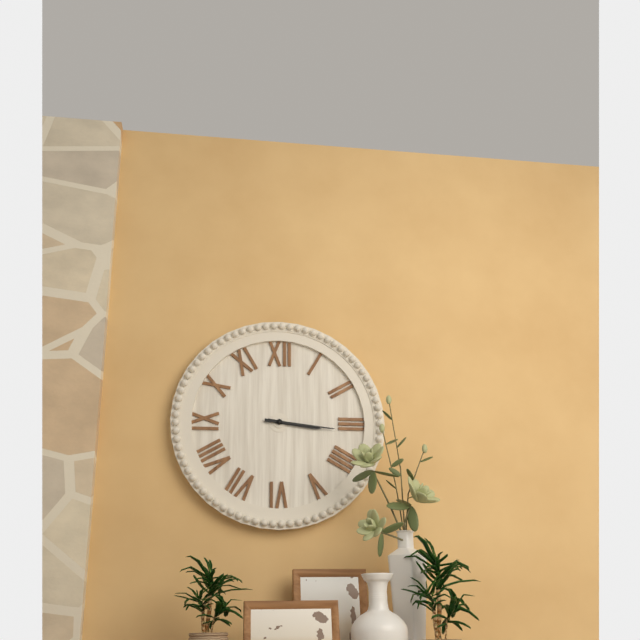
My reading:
3 h 16 min
